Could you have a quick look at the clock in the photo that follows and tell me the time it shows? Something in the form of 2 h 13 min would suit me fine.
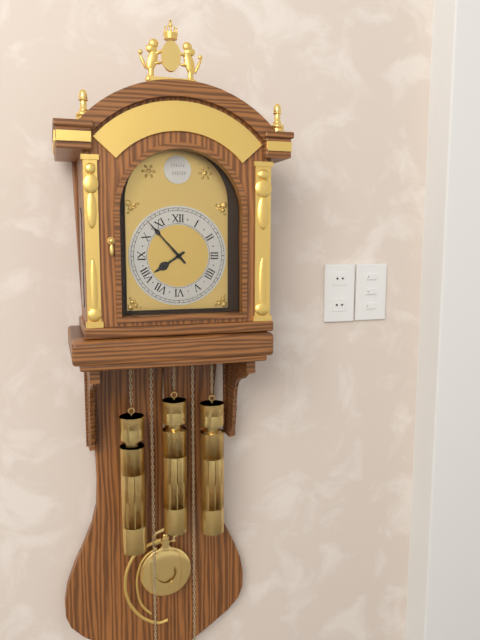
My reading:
7 h 53 min
